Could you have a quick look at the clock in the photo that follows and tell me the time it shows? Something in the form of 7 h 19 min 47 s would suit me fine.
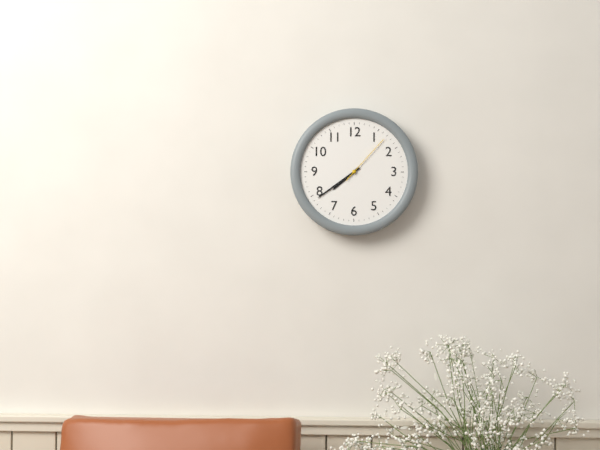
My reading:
7 h 39 min 07 s
